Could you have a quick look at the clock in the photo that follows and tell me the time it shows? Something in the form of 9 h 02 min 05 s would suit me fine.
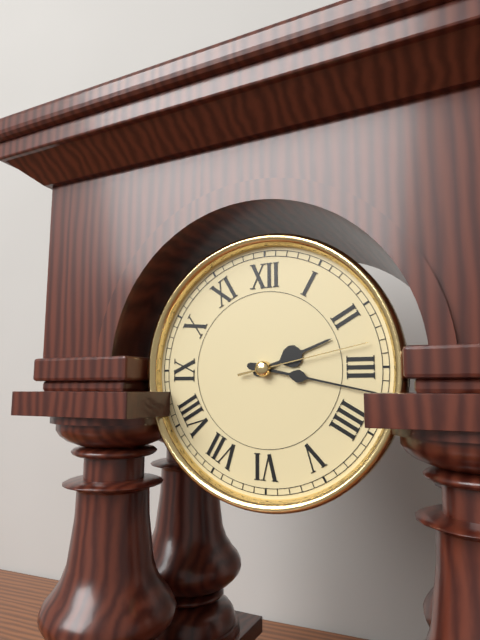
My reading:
2 h 17 min 13 s
